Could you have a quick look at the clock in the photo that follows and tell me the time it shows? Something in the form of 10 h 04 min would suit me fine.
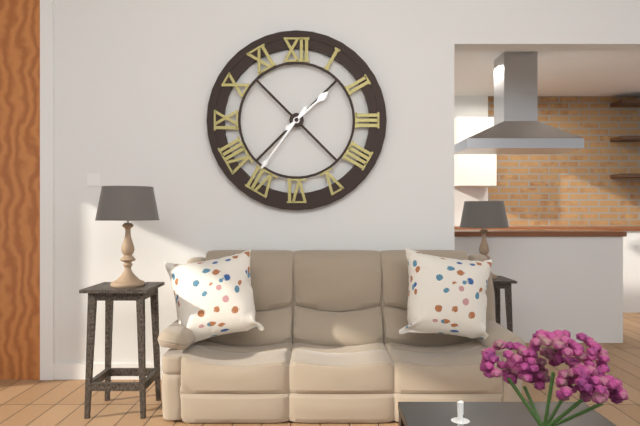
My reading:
1 h 36 min
